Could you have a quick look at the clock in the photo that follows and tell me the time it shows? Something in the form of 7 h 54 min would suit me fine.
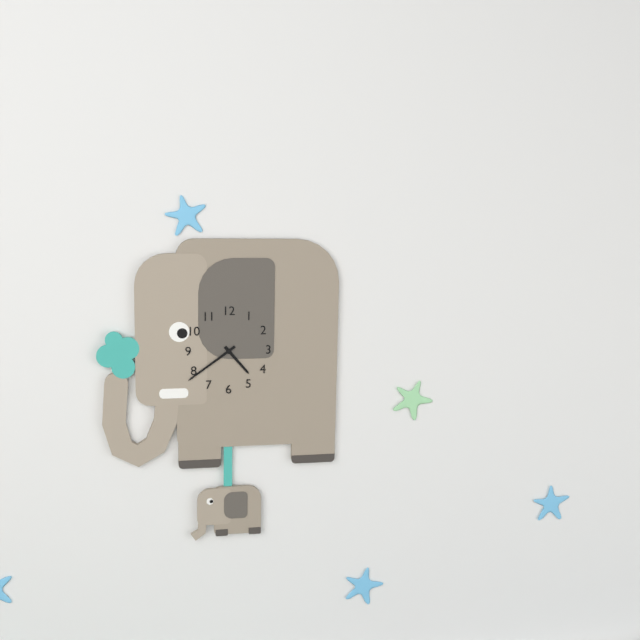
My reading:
4 h 39 min
